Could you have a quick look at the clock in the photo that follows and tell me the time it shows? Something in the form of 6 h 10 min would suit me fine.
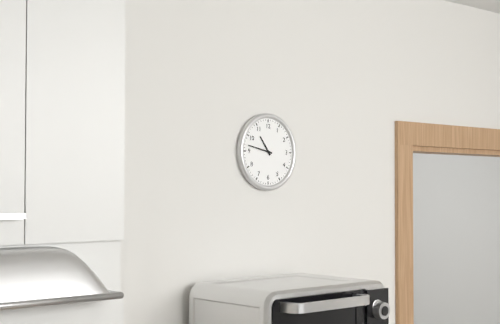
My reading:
10 h 47 min
